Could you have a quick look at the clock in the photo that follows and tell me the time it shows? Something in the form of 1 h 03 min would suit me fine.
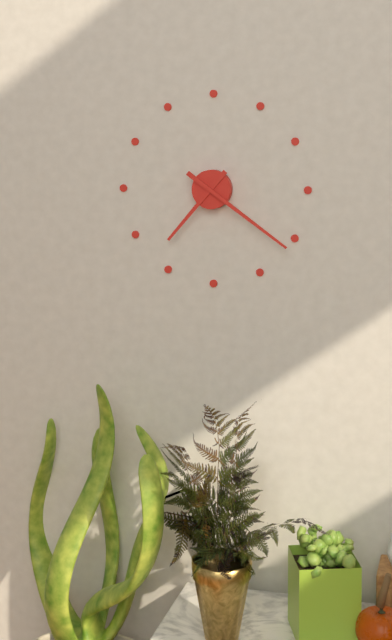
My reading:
7 h 21 min
